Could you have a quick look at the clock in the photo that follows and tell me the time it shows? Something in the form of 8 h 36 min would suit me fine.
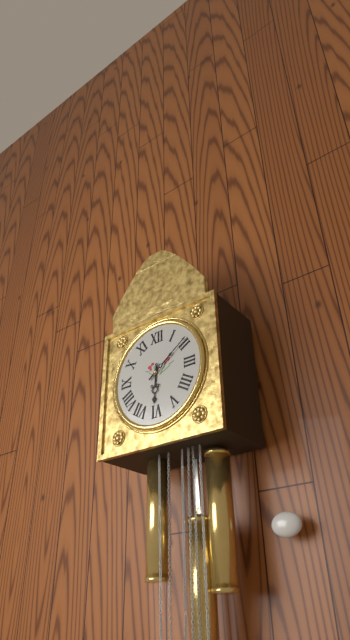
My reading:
6 h 09 min
